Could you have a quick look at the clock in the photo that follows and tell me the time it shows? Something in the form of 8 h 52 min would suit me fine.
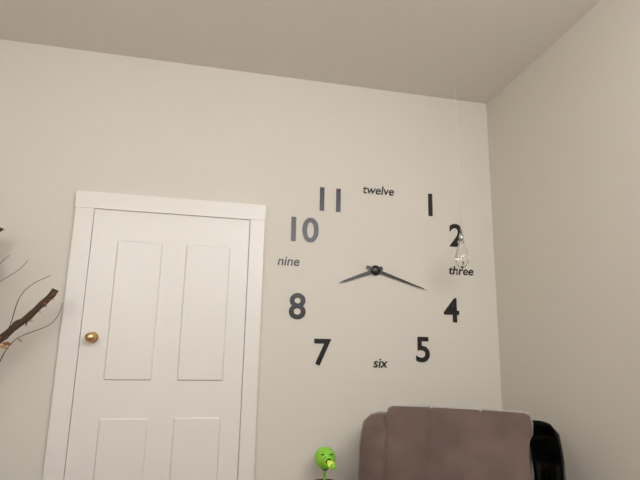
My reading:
8 h 18 min
